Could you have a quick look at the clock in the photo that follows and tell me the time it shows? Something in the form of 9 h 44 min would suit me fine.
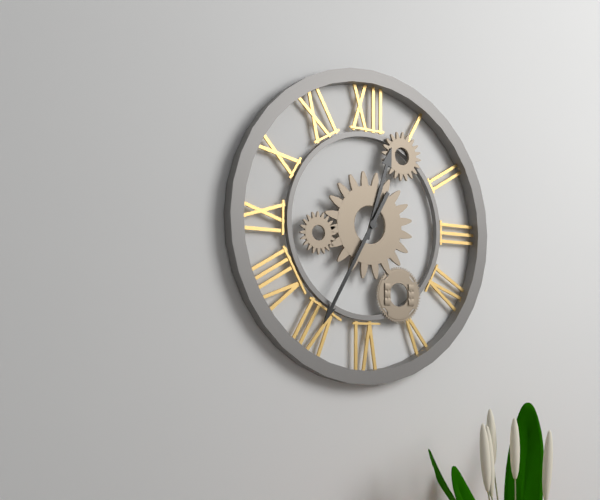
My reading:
12 h 35 min
